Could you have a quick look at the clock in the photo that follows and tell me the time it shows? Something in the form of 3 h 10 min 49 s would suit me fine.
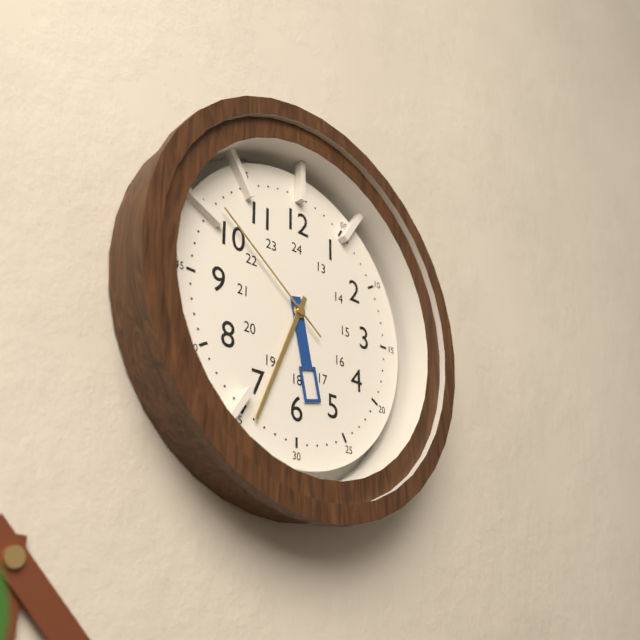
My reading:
5 h 34 min 51 s
